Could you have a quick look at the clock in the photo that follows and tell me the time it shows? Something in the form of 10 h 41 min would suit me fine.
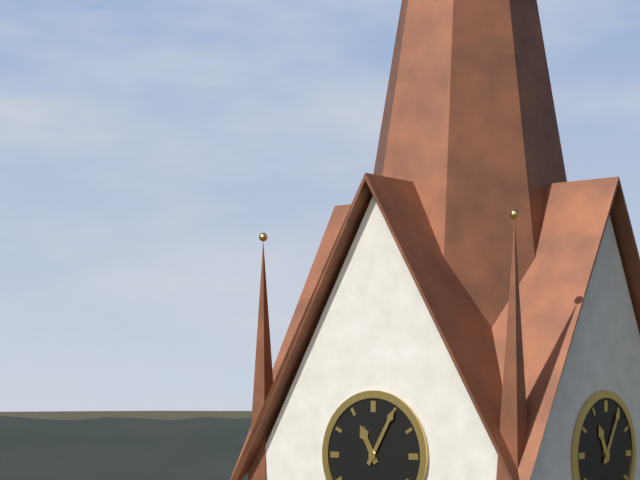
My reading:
11 h 05 min
